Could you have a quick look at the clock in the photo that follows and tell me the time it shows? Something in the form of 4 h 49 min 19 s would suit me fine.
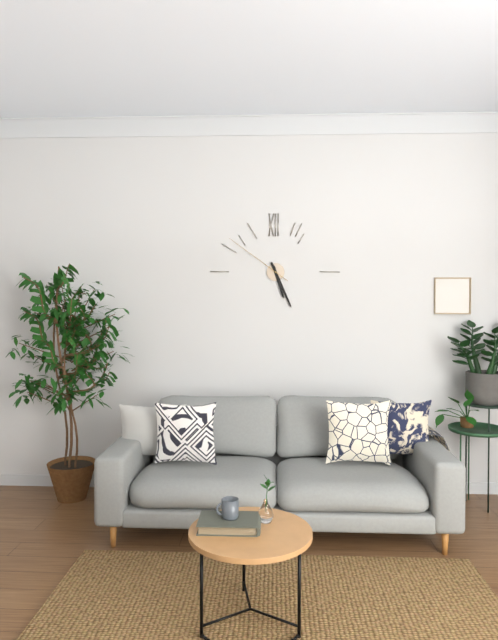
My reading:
5 h 26 min 51 s
